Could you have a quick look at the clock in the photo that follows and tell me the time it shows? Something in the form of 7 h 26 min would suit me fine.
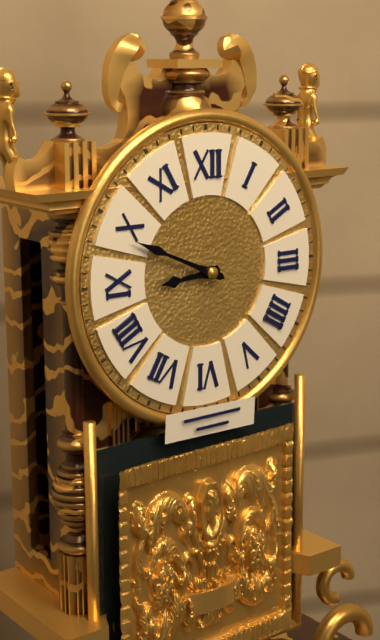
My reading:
8 h 49 min
